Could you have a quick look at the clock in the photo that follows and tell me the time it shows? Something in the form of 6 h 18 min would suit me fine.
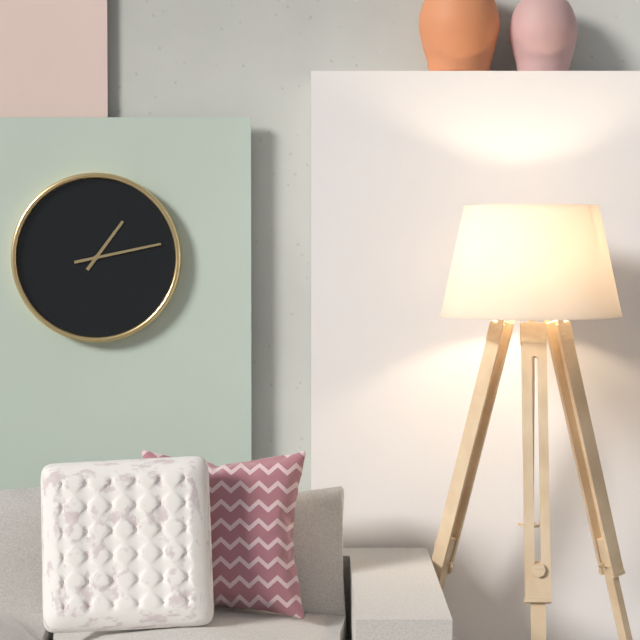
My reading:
1 h 13 min
